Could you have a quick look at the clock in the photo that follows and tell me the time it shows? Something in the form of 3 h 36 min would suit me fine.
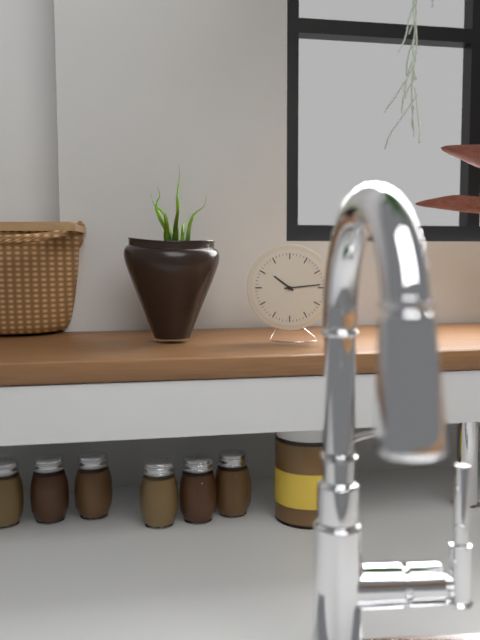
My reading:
10 h 14 min
